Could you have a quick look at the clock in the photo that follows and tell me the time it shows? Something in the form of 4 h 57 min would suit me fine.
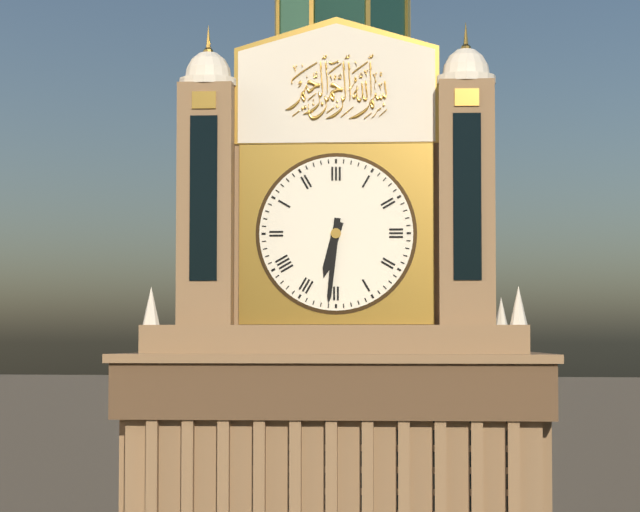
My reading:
6 h 31 min
